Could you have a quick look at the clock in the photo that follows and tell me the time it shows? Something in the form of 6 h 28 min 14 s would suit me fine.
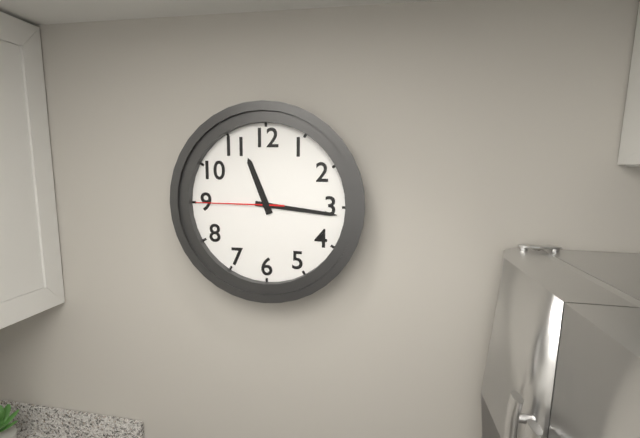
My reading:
11 h 16 min 45 s
